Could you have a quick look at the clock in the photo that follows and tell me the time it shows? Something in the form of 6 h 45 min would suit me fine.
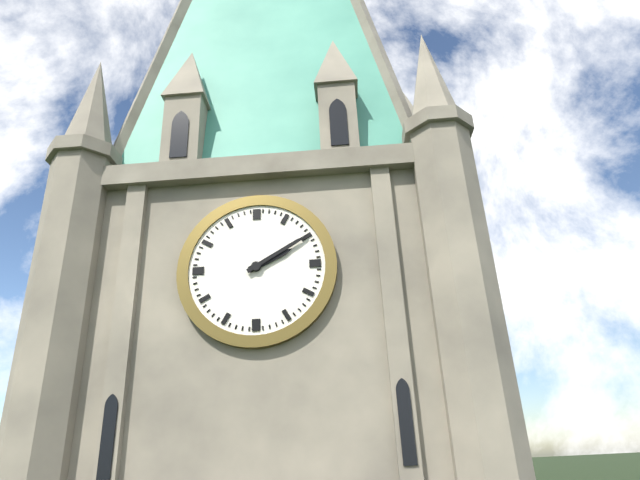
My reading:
2 h 10 min
